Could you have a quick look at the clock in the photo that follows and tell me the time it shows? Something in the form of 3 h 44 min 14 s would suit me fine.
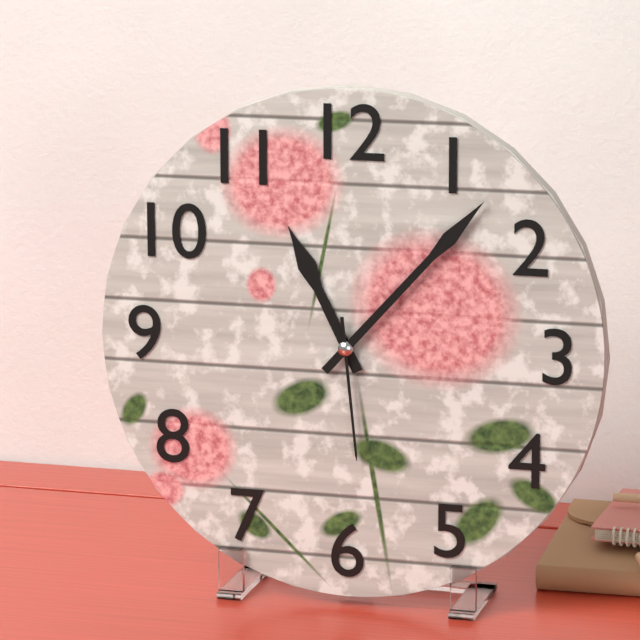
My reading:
11 h 07 min 29 s
